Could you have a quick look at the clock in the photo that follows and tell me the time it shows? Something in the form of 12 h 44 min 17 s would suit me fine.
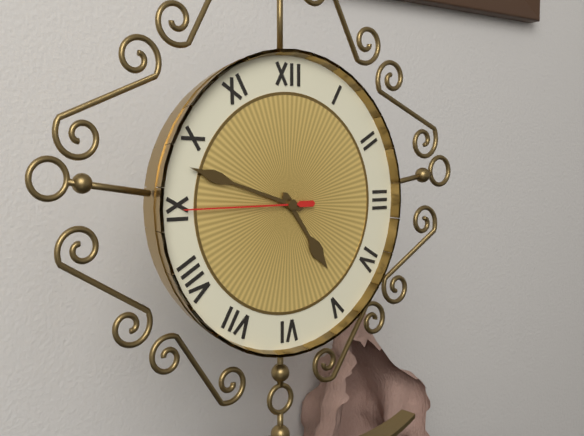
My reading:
4 h 48 min 45 s
